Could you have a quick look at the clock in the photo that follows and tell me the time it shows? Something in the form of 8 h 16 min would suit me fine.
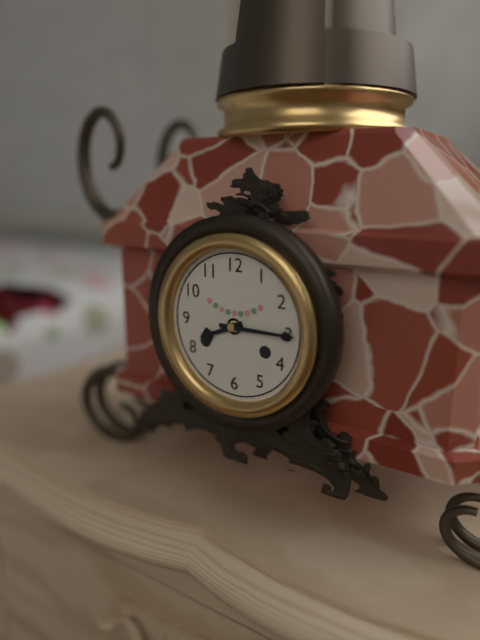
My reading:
8 h 15 min
